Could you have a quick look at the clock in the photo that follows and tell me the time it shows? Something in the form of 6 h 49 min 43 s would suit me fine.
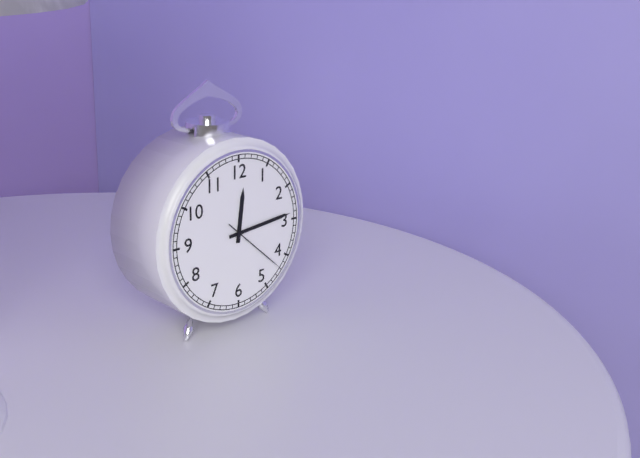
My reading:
12 h 14 min 22 s
